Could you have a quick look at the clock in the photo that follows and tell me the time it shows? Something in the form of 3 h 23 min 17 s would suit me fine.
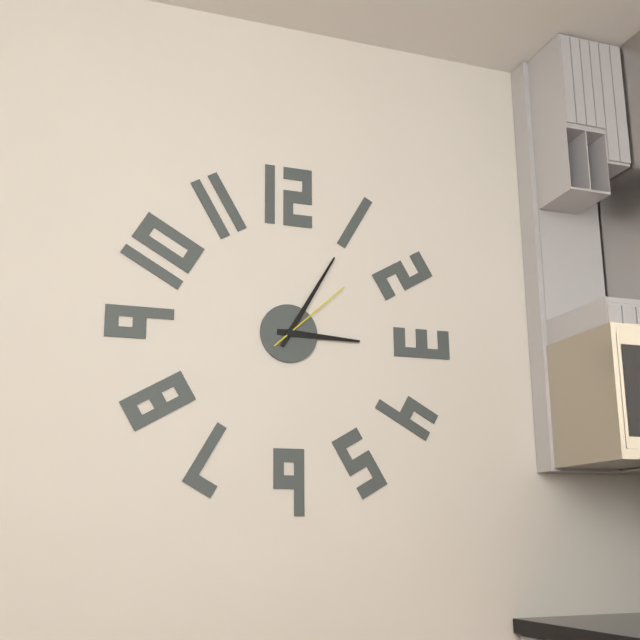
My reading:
3 h 05 min 08 s
